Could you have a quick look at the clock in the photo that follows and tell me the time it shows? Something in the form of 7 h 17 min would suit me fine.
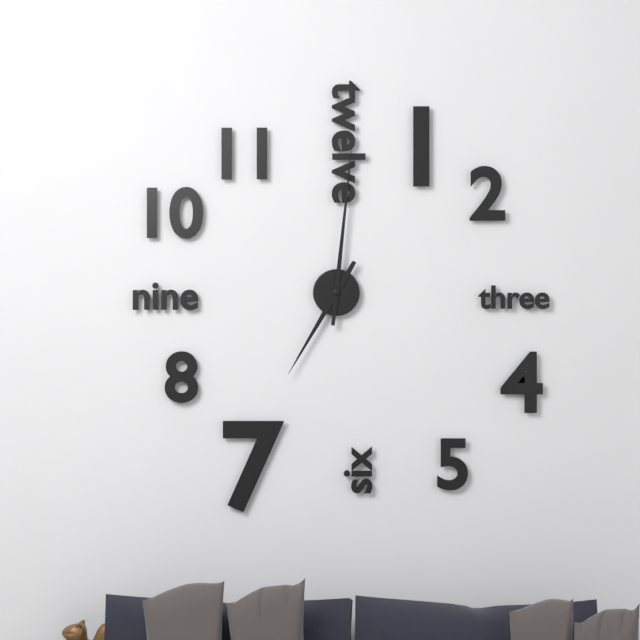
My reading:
7 h 01 min
